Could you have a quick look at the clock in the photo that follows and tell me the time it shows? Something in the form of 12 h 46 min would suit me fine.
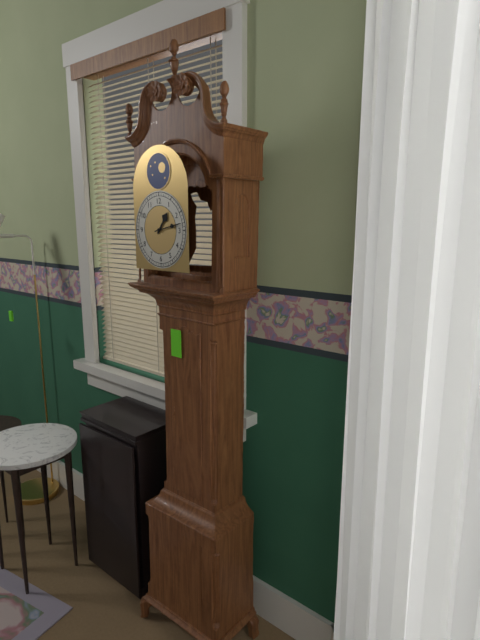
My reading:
1 h 13 min
